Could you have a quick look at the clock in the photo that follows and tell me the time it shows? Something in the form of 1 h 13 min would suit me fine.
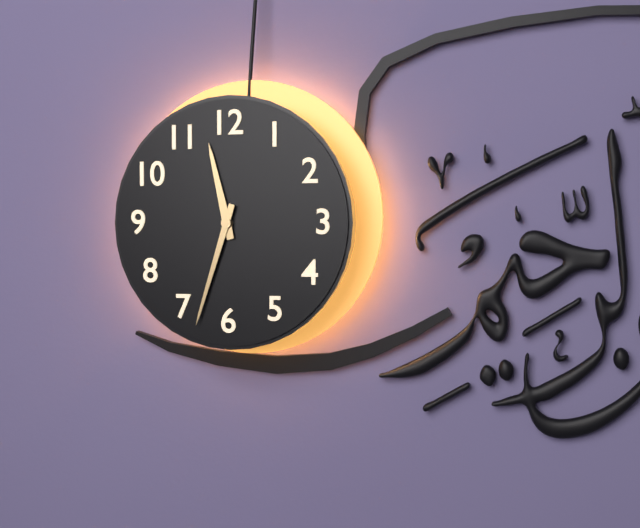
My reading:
11 h 33 min
